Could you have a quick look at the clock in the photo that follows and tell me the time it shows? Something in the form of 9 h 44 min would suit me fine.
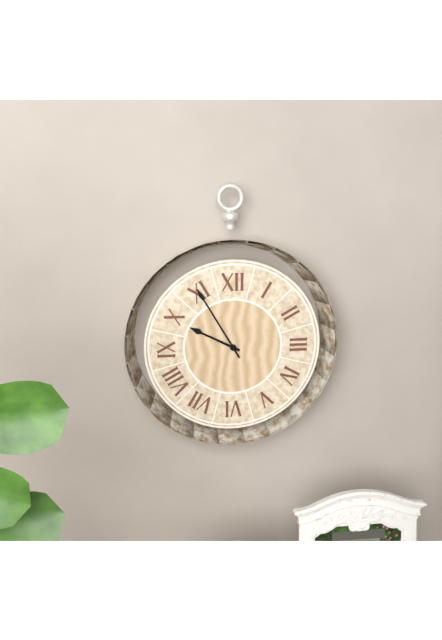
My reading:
9 h 55 min
